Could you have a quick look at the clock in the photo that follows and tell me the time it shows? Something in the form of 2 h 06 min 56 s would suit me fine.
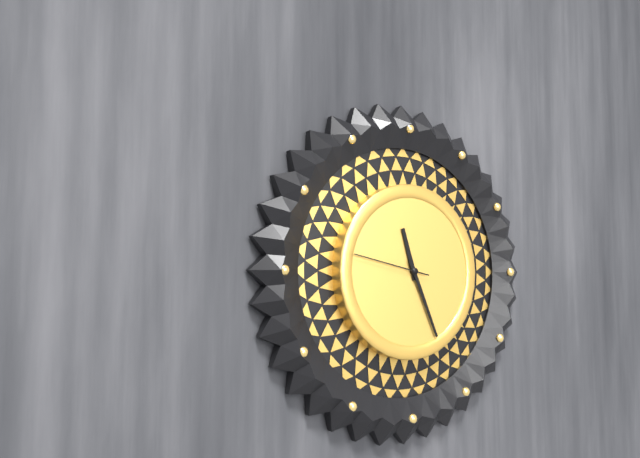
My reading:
11 h 26 min 47 s
